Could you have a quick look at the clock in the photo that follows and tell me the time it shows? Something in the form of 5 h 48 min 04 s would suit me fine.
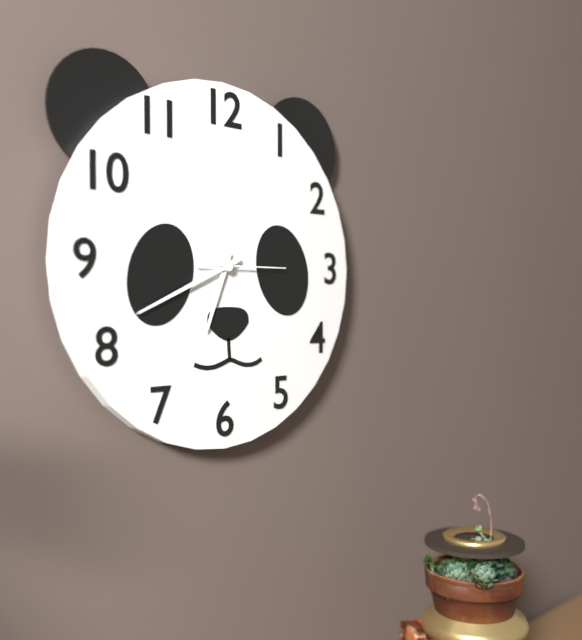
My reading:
6 h 41 min 15 s
